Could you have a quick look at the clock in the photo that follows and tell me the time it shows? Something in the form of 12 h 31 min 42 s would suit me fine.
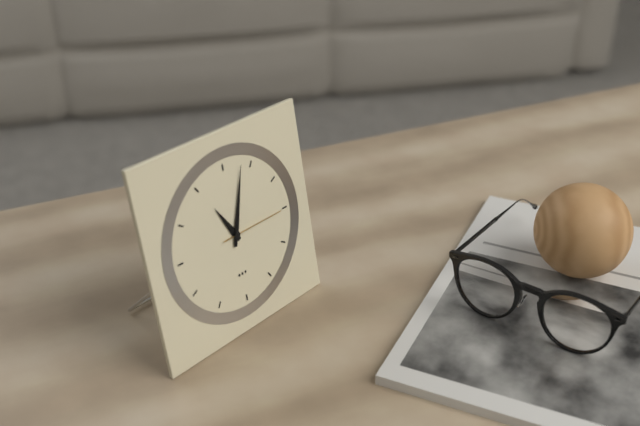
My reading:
11 h 03 min 15 s
